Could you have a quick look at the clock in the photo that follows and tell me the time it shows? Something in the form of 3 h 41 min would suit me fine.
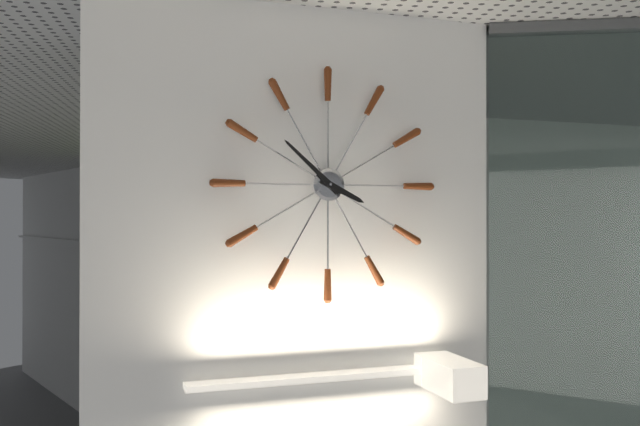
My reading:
3 h 52 min
